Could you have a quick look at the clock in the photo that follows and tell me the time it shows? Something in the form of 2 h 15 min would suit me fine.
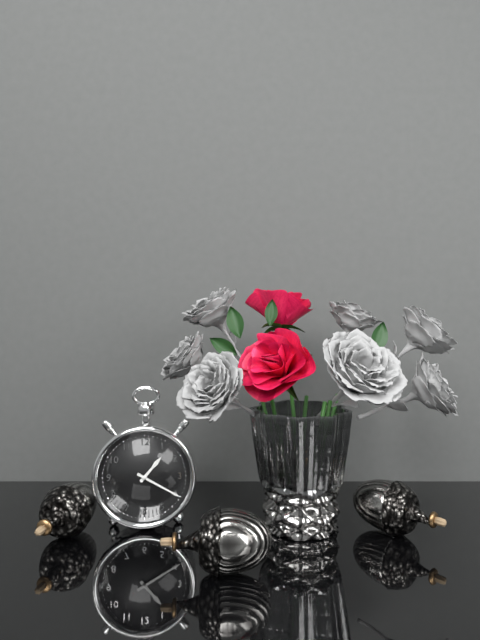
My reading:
1 h 20 min
